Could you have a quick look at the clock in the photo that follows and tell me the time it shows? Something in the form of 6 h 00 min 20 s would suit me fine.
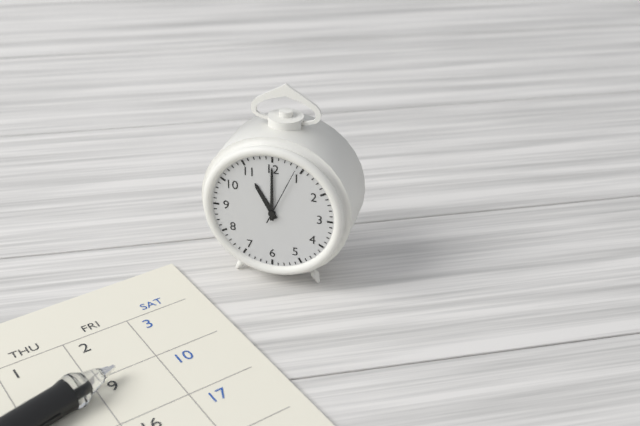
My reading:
11 h 00 min 04 s
